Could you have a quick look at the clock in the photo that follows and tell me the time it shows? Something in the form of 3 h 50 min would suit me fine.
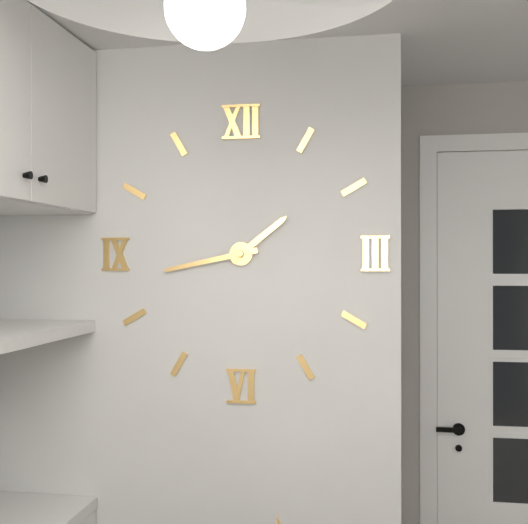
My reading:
1 h 43 min
